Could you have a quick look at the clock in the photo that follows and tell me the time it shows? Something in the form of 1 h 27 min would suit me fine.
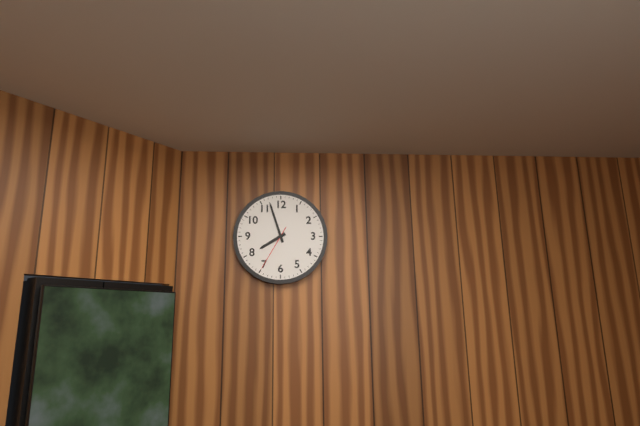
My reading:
7 h 57 min
